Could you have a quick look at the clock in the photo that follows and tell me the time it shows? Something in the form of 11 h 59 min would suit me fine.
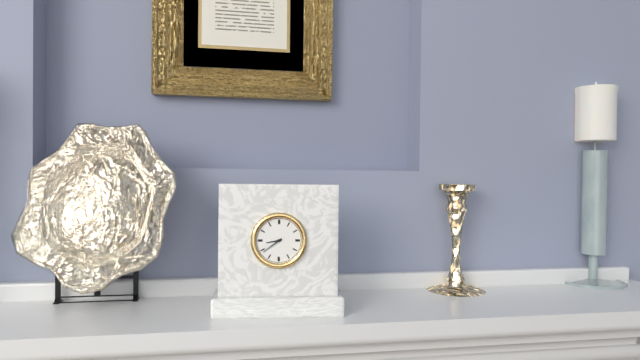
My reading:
8 h 39 min
